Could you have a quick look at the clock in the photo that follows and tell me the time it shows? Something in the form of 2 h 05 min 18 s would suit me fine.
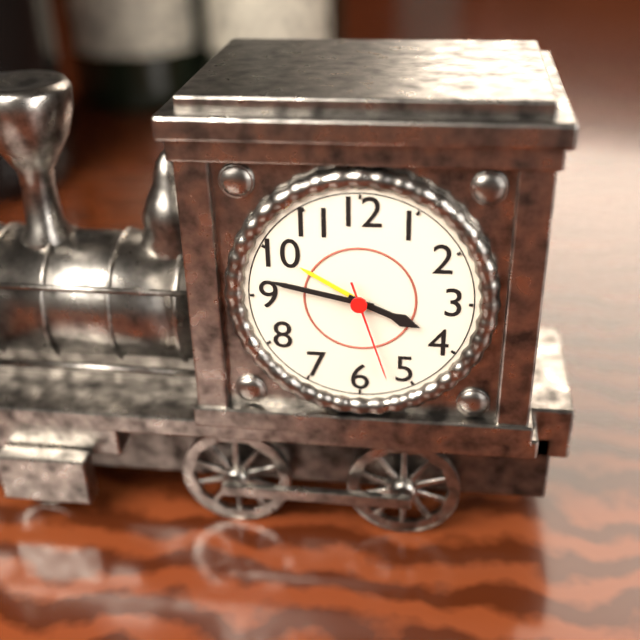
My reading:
3 h 47 min 27 s
